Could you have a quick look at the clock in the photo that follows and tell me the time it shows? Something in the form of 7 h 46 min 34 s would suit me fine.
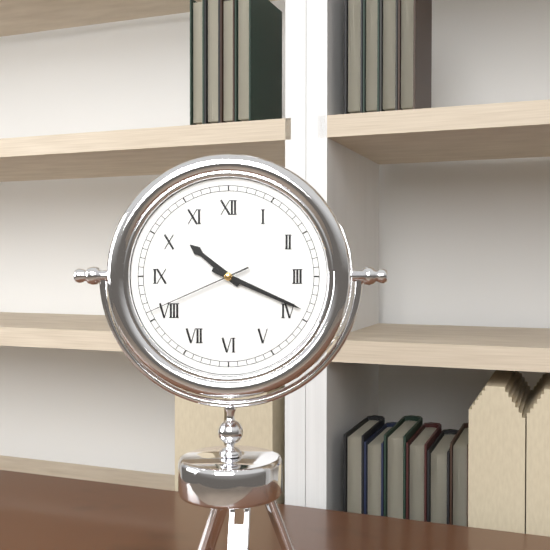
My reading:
10 h 19 min 41 s
